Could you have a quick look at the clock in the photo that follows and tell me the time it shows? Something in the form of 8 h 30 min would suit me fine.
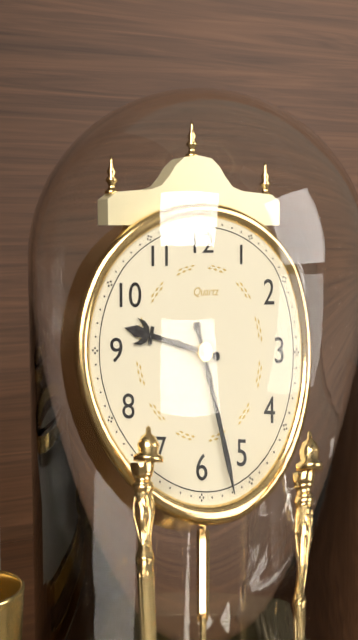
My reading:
9 h 27 min
